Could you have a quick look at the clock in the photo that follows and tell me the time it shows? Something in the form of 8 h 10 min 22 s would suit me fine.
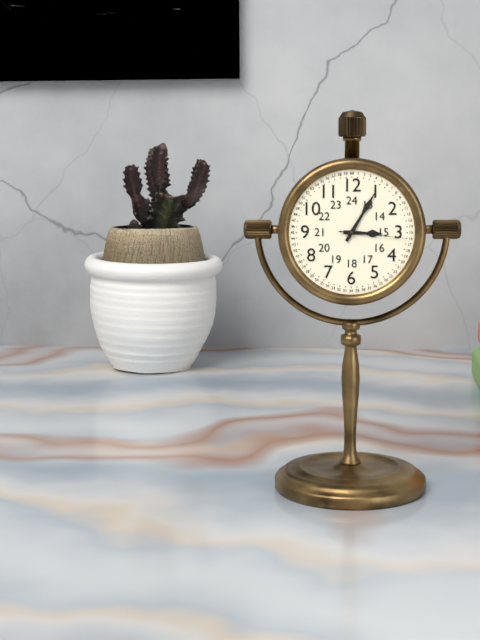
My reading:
3 h 05 min 16 s
